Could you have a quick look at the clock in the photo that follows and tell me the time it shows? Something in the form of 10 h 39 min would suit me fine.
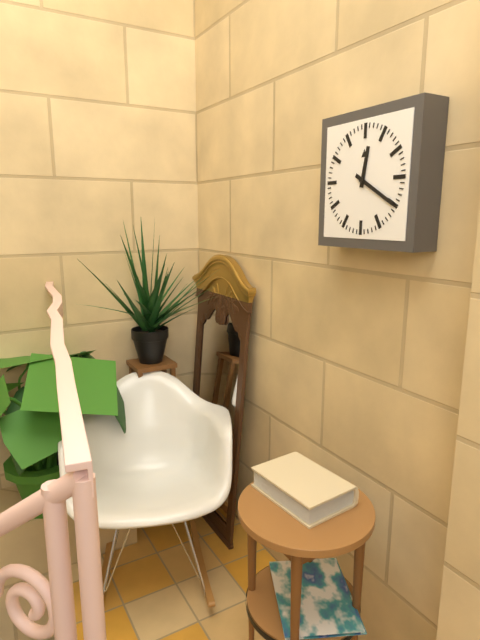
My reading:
12 h 20 min
